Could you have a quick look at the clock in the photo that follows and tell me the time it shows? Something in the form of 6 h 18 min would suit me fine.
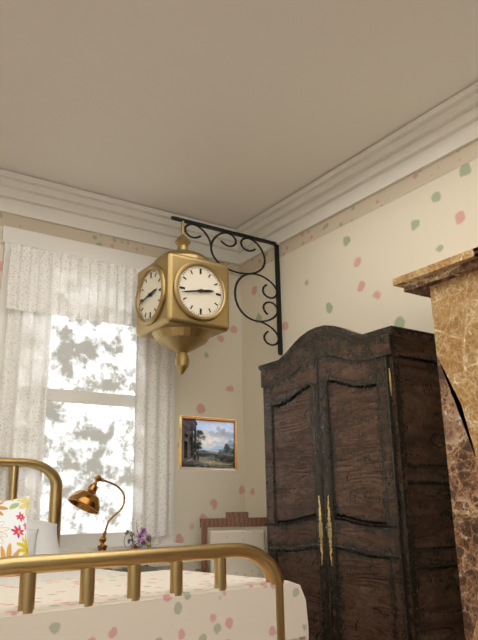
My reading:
2 h 43 min
